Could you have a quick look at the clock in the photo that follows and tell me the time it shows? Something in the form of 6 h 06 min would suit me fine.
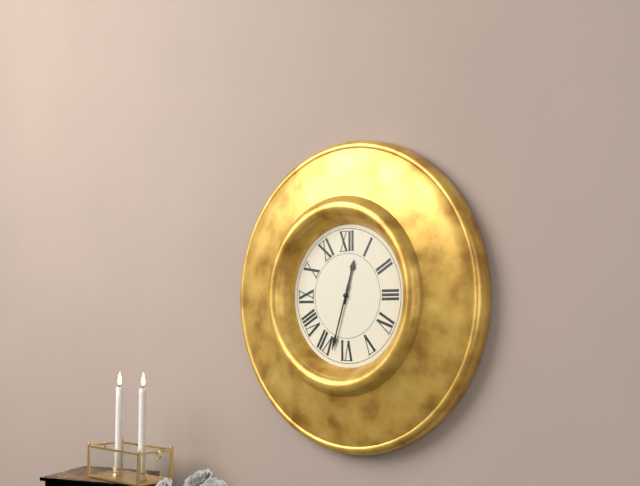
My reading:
12 h 33 min
